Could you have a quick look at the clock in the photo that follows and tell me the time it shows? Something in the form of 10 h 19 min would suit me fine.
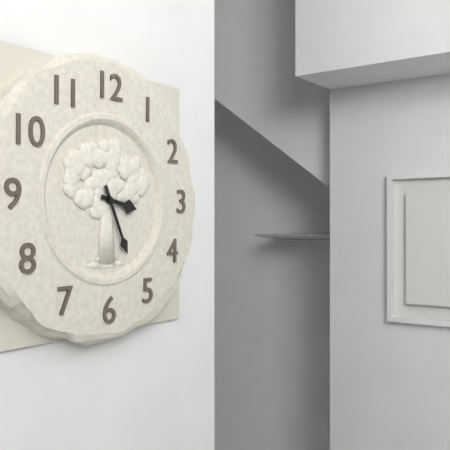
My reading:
3 h 26 min
